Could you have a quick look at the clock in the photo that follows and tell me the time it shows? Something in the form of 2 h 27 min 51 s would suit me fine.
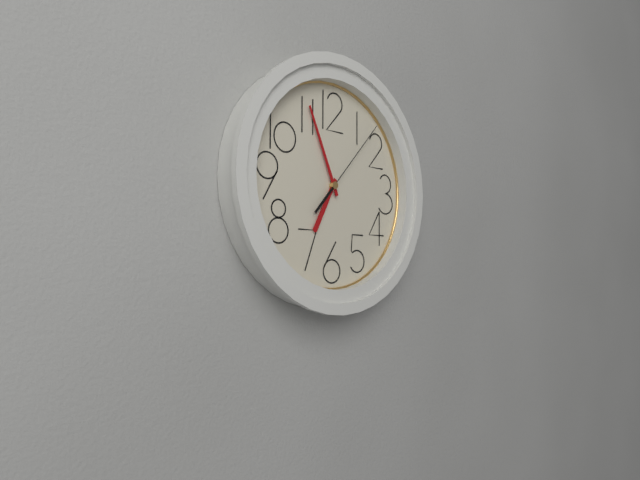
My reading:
6 h 56 min 07 s
